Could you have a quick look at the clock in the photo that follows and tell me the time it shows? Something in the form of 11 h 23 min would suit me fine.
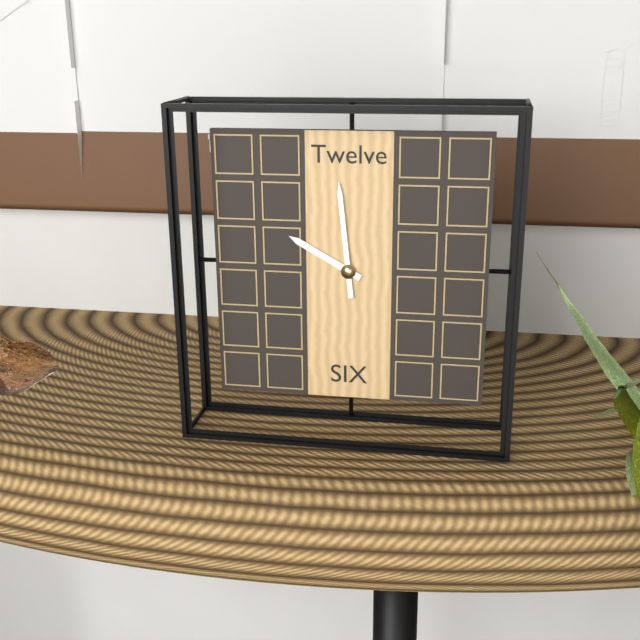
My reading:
9 h 59 min
